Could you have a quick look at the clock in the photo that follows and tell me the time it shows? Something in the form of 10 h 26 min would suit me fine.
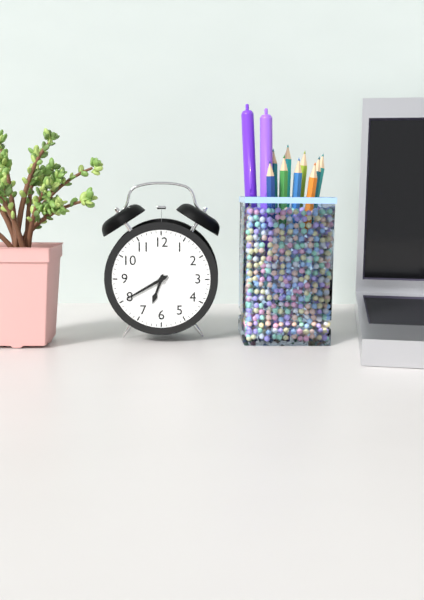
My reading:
6 h 40 min
